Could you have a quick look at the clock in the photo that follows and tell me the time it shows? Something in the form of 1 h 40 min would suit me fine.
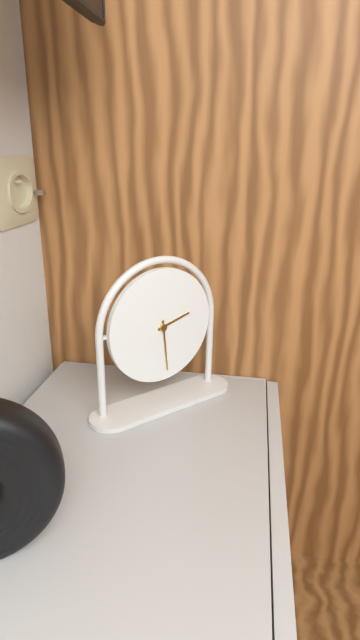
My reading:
2 h 29 min
